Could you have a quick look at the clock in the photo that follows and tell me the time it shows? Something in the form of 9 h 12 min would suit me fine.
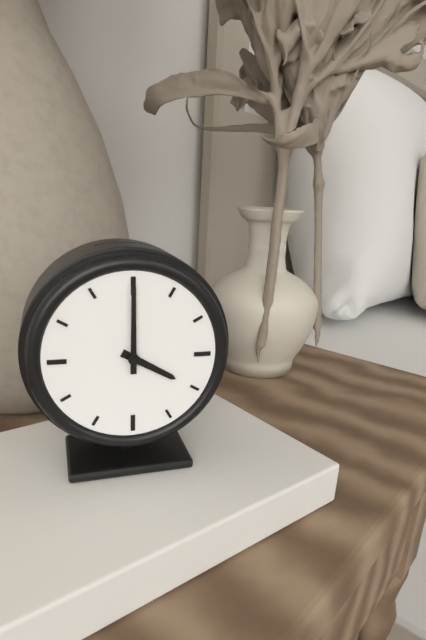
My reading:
4 h 00 min
